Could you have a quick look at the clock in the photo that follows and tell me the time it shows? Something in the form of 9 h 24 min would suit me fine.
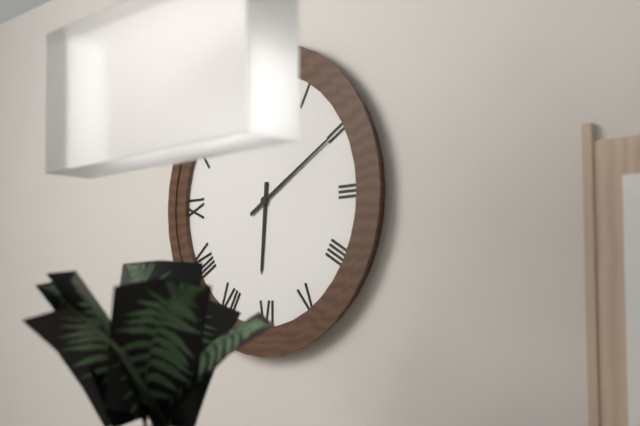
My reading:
6 h 10 min
